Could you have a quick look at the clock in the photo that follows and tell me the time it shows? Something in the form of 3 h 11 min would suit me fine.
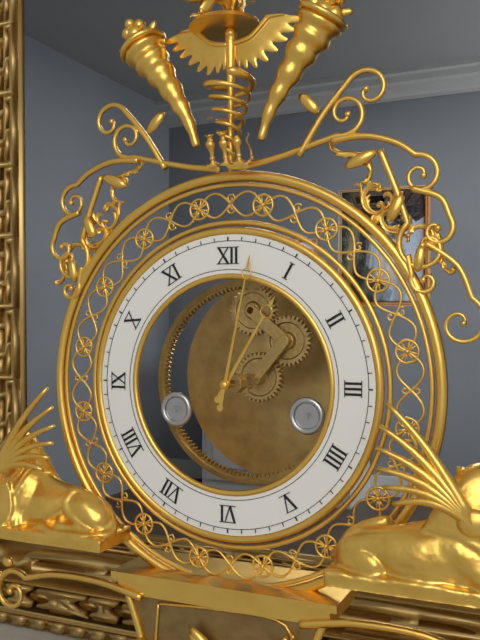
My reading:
1 h 02 min
